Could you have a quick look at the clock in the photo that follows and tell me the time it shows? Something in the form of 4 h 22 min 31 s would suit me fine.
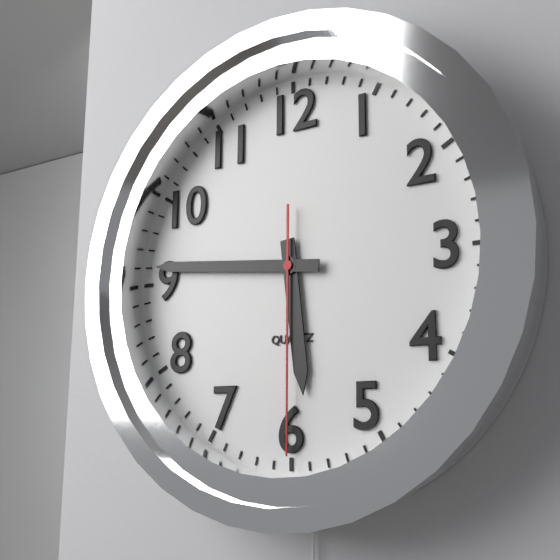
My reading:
5 h 46 min 30 s
